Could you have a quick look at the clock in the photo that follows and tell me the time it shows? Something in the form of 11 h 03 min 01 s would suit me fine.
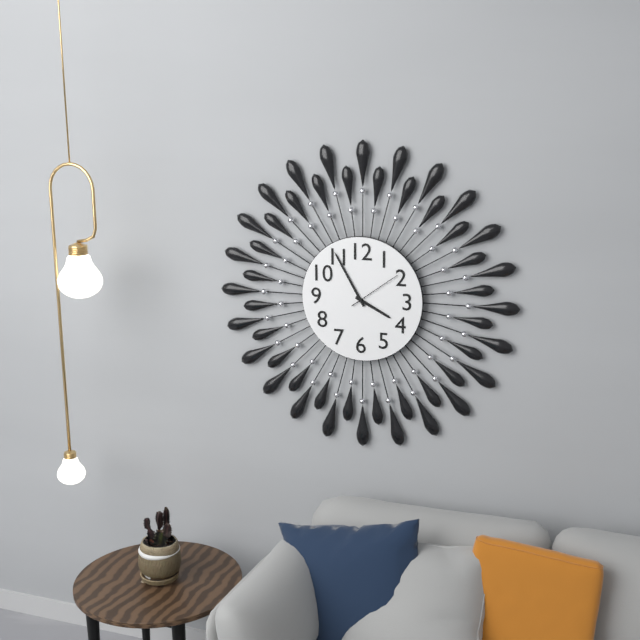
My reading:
3 h 55 min 09 s
